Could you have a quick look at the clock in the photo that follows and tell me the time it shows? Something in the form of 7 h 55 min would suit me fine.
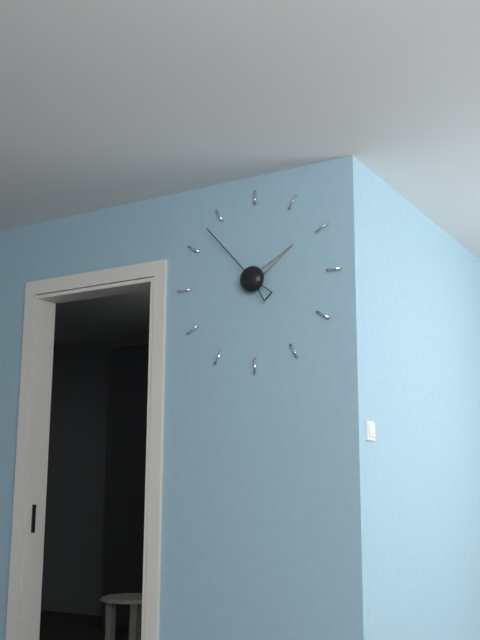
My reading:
1 h 53 min
